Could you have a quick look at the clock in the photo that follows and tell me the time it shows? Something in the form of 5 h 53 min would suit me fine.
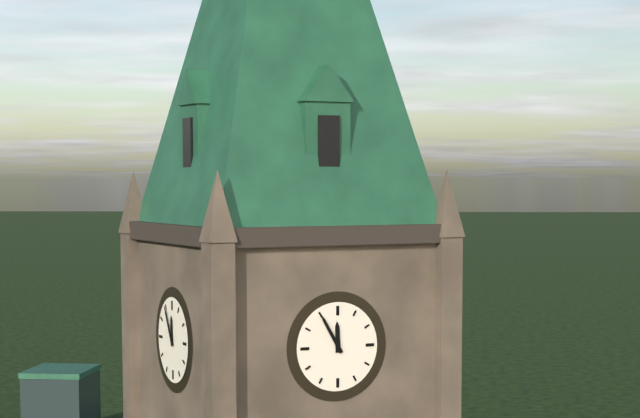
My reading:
11 h 55 min
